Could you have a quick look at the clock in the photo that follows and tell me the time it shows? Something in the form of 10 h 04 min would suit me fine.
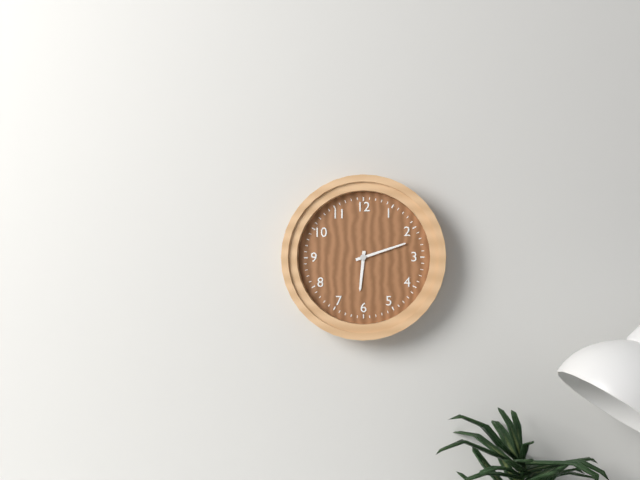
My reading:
6 h 12 min
